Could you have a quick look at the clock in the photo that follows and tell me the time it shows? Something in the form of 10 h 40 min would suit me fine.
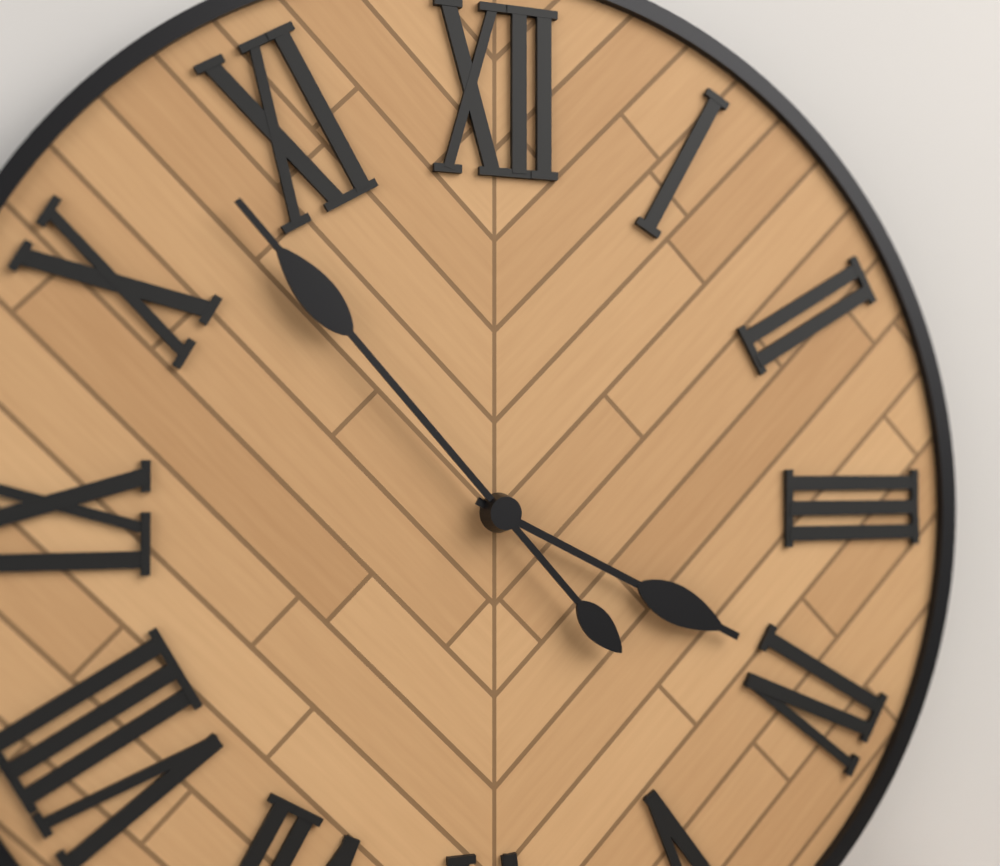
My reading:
3 h 53 min
